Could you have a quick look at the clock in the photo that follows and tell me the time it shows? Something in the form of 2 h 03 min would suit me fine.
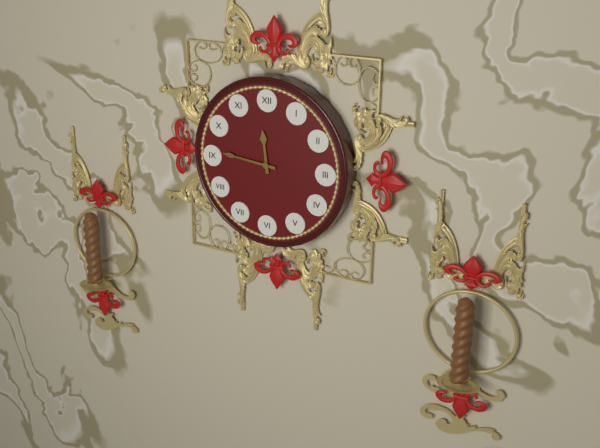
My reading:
11 h 46 min
